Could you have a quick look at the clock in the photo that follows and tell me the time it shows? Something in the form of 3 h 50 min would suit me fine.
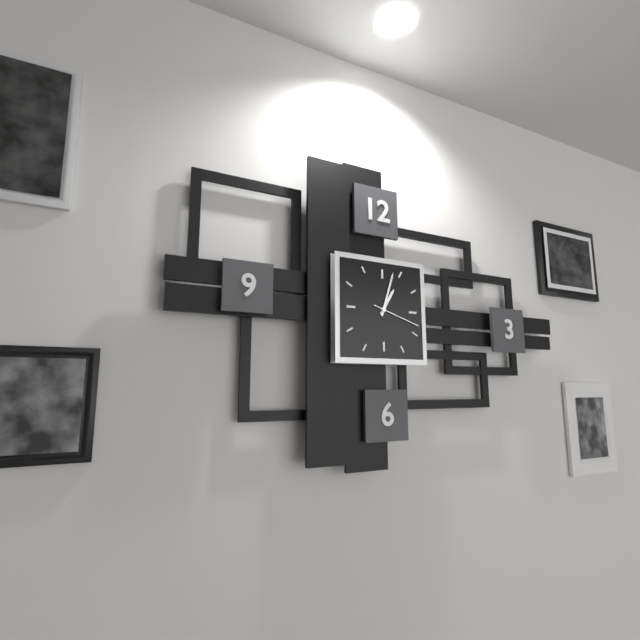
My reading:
1 h 03 min
